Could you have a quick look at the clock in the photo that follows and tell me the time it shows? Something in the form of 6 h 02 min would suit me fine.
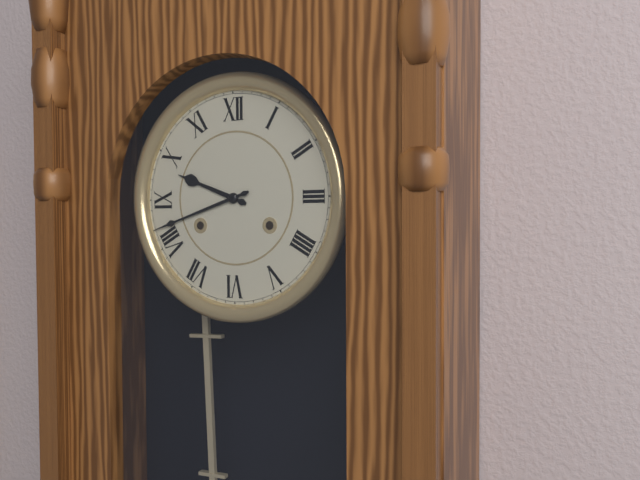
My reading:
9 h 42 min
